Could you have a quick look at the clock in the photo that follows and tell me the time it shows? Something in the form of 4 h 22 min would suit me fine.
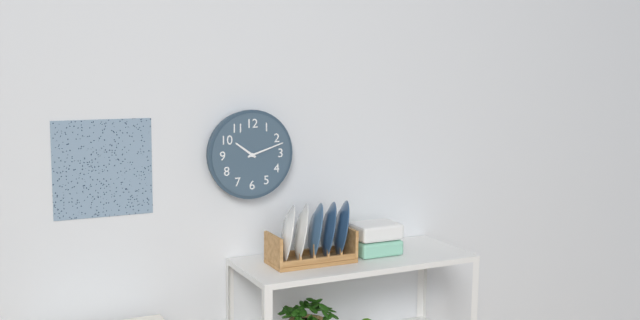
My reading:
10 h 12 min
